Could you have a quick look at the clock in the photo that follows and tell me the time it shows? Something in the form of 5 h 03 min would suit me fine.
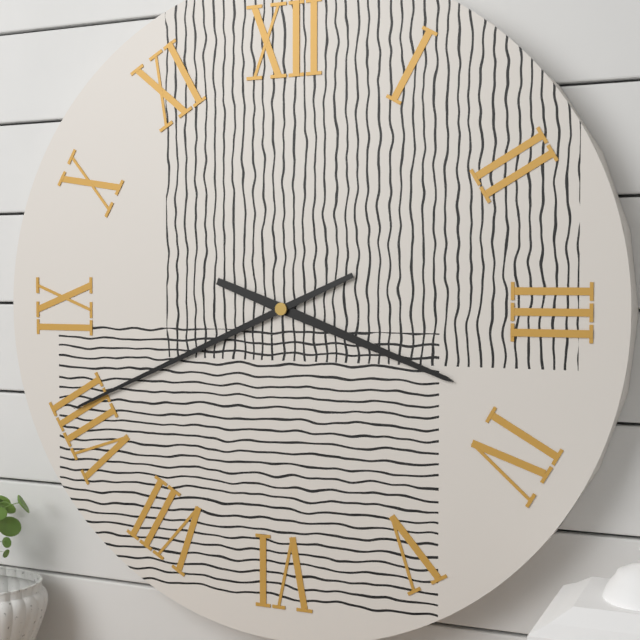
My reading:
3 h 41 min
